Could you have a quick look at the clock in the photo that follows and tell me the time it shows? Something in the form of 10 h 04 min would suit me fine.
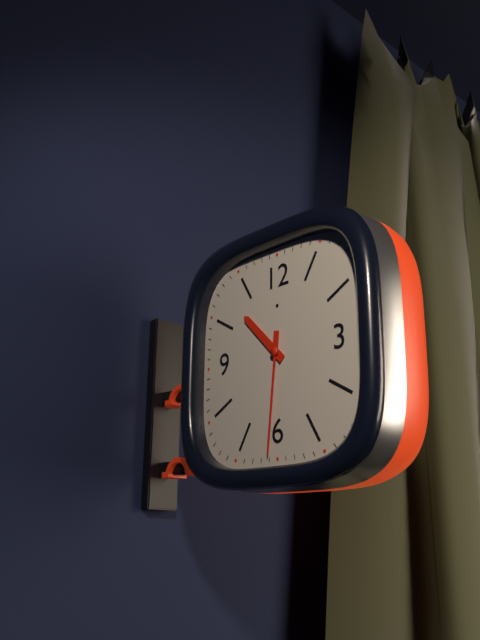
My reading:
10 h 31 min
